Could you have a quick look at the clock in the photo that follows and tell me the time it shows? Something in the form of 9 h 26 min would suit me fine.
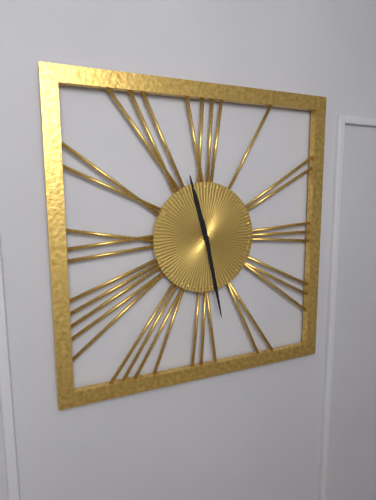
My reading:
11 h 28 min
